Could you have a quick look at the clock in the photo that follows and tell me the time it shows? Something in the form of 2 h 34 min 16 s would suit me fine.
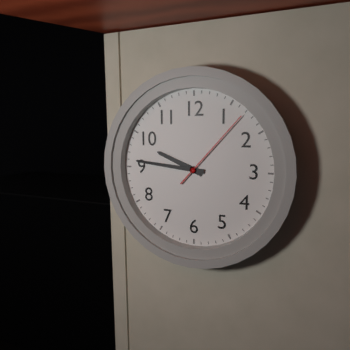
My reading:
9 h 46 min 07 s
